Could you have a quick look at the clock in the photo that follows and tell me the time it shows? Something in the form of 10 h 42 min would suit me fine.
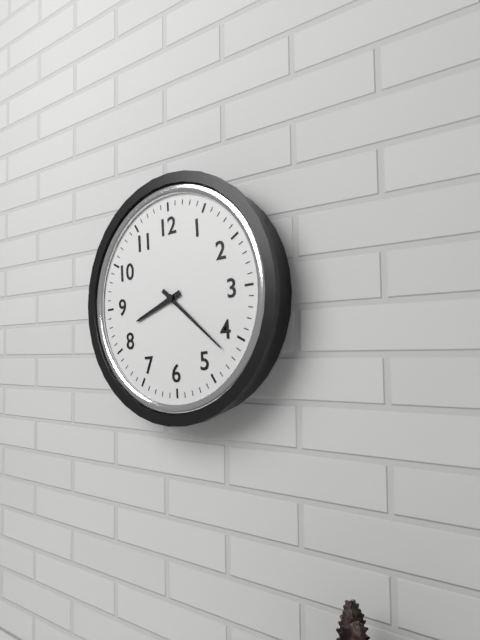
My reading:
8 h 22 min
